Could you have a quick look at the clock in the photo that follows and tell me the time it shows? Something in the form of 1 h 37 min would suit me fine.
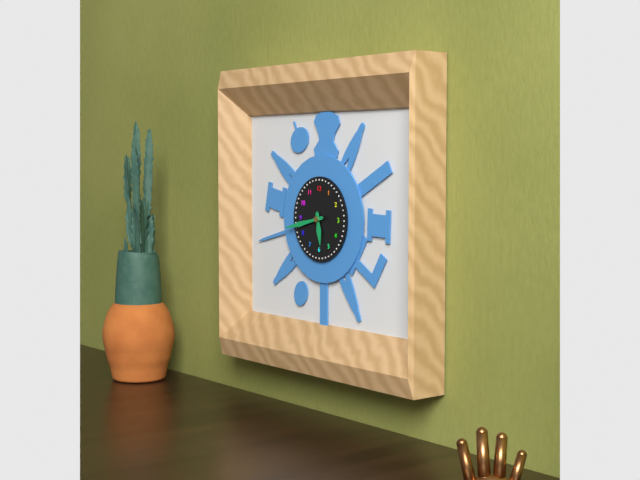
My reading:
5 h 43 min
